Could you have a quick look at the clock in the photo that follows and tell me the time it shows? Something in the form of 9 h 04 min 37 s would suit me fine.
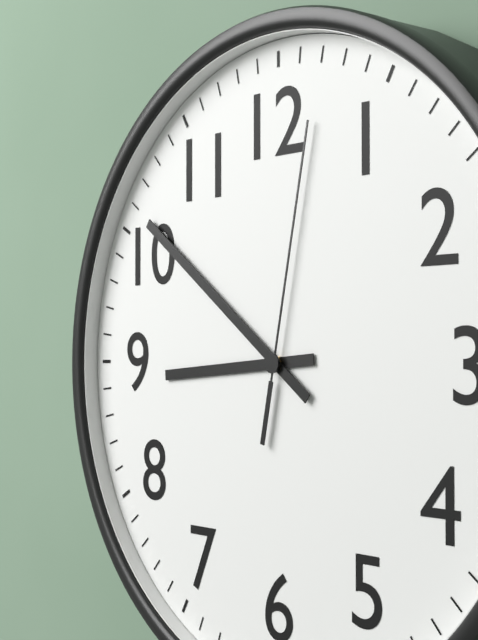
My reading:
8 h 51 min 02 s
